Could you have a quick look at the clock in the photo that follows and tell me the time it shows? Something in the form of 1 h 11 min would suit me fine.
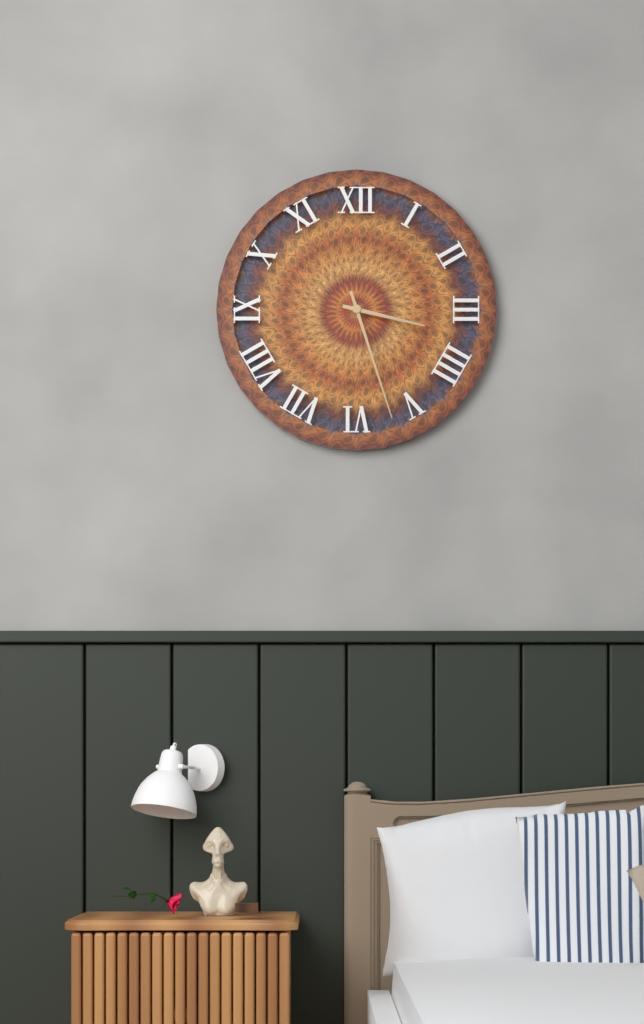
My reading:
3 h 27 min
